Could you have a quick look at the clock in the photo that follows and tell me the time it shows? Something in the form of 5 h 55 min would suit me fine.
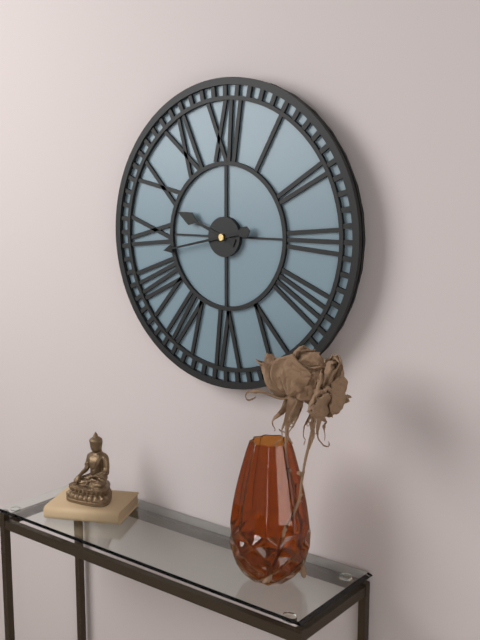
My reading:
9 h 43 min
